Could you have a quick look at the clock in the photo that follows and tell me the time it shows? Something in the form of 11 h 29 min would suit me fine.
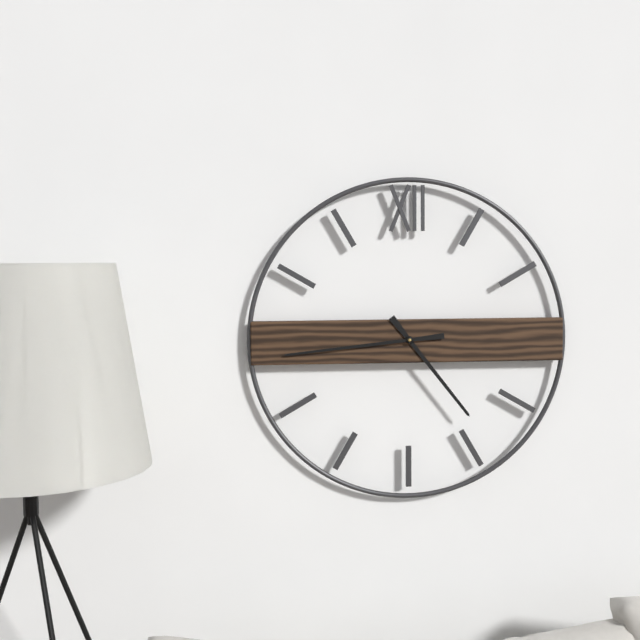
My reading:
4 h 44 min
